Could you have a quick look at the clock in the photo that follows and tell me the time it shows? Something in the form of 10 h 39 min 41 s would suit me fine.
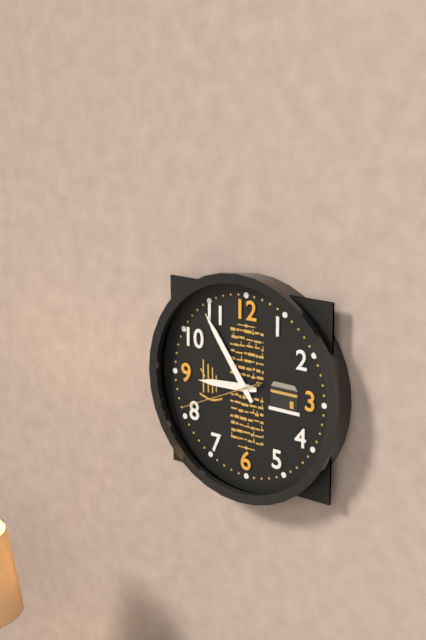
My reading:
8 h 54 min 41 s
